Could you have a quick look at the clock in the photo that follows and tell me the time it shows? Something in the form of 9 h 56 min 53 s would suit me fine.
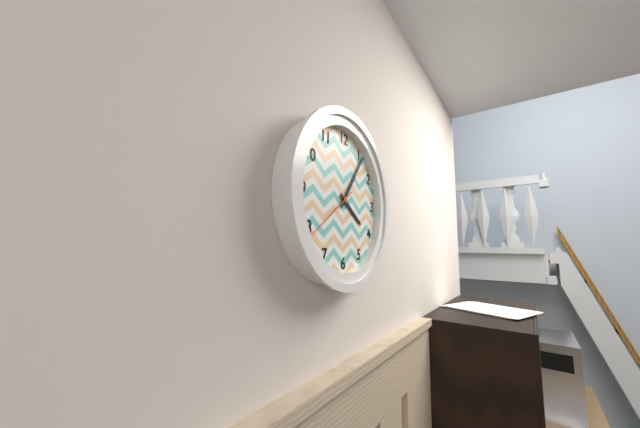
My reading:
4 h 06 min 39 s
